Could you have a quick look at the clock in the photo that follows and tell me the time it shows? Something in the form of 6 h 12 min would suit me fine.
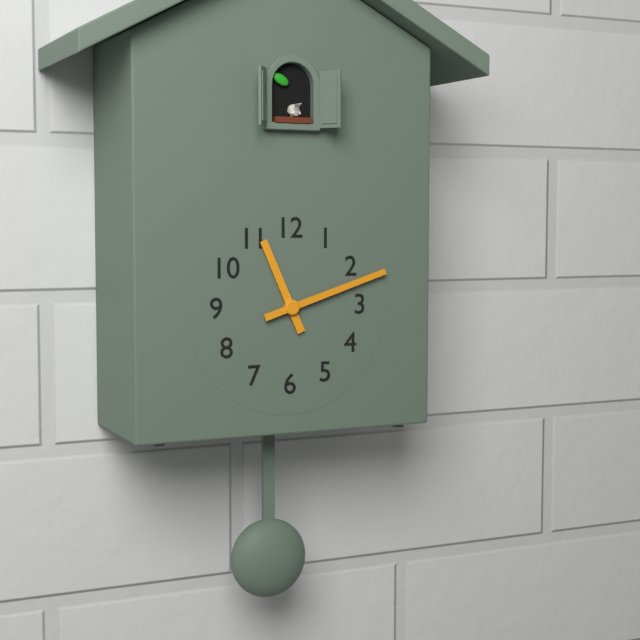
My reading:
11 h 12 min
